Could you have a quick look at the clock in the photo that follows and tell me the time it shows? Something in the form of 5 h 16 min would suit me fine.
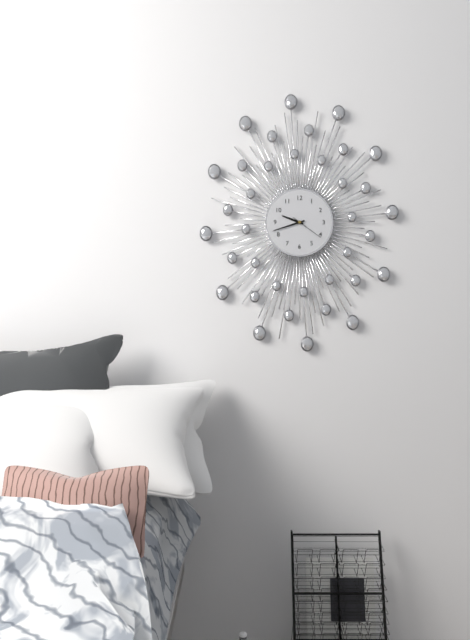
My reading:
9 h 42 min
